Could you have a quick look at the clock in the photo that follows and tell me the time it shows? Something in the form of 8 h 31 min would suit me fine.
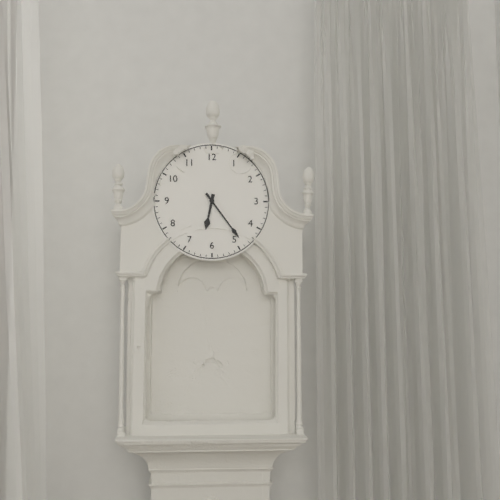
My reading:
6 h 24 min
